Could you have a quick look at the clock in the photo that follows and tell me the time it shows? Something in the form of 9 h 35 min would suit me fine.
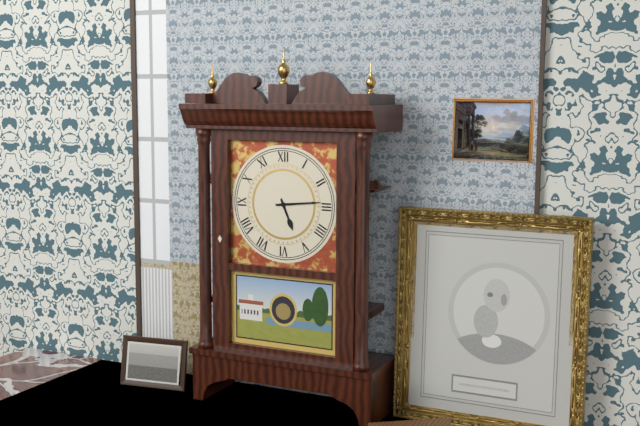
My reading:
5 h 14 min
